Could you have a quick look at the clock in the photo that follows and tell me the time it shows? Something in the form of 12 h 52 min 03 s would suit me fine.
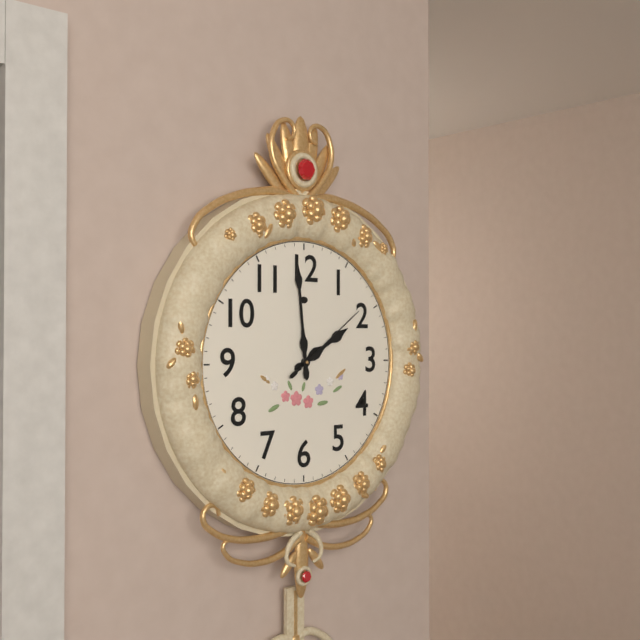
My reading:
1 h 59 min 09 s
